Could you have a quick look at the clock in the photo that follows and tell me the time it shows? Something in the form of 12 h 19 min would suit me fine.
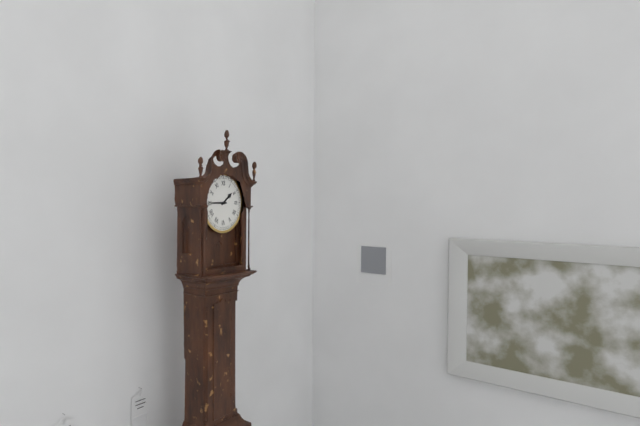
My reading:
1 h 45 min
